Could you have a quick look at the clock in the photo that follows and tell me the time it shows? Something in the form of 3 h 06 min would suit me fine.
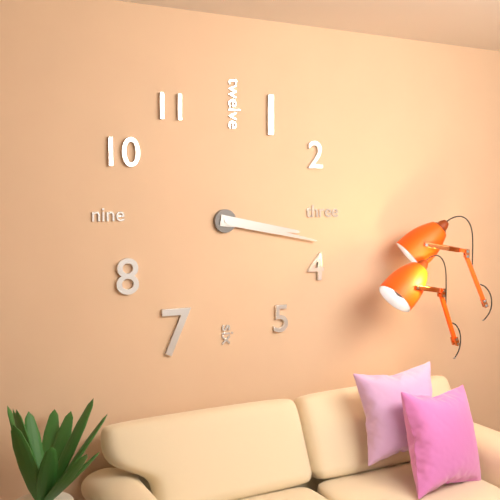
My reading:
3 h 17 min
